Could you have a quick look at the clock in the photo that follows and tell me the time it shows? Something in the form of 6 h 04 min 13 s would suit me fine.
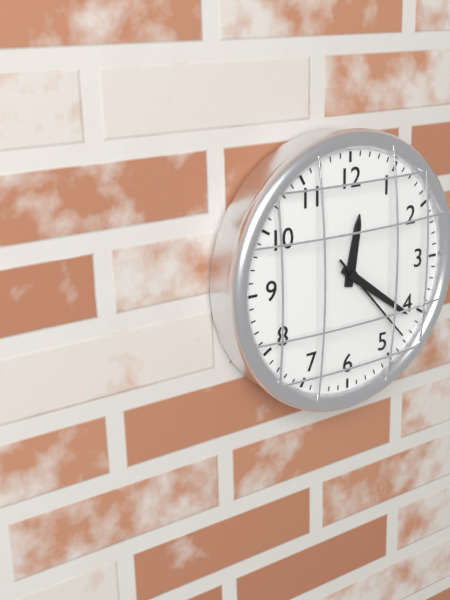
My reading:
12 h 21 min 23 s
